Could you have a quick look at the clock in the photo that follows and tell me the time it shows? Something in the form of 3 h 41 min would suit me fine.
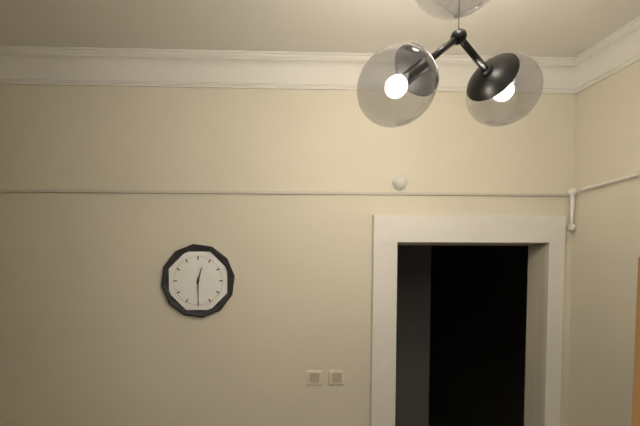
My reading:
12 h 30 min
